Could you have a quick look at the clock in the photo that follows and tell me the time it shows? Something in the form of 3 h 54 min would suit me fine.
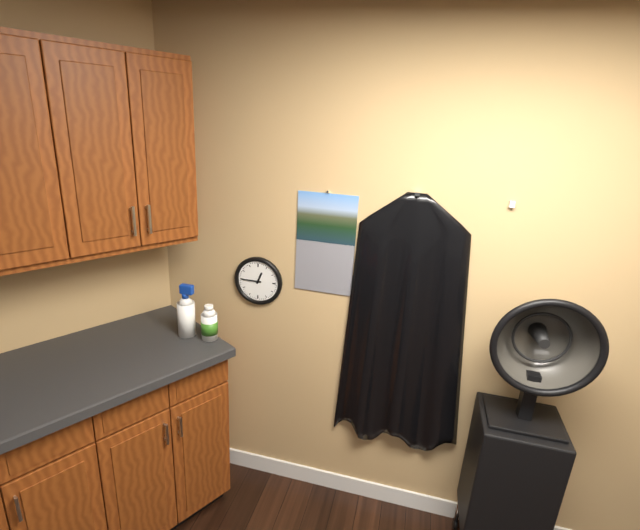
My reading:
12 h 45 min
